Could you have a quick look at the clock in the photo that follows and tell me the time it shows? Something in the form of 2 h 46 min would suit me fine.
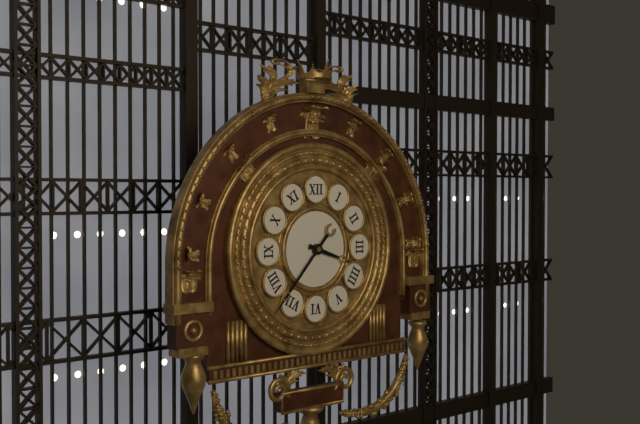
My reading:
3 h 37 min
